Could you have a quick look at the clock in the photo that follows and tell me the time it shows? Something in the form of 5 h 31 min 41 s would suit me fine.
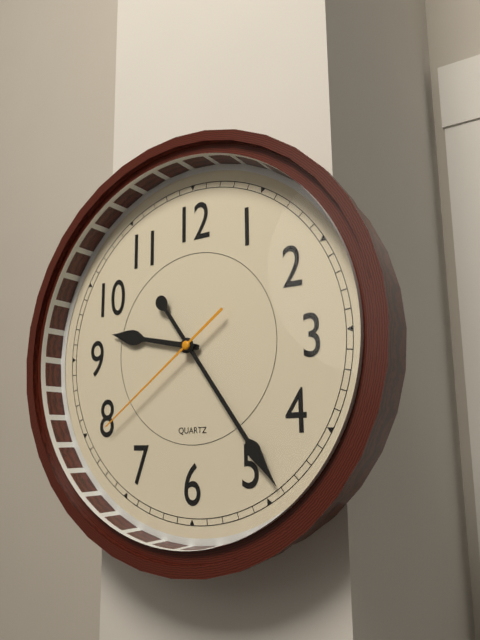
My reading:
9 h 24 min 39 s
